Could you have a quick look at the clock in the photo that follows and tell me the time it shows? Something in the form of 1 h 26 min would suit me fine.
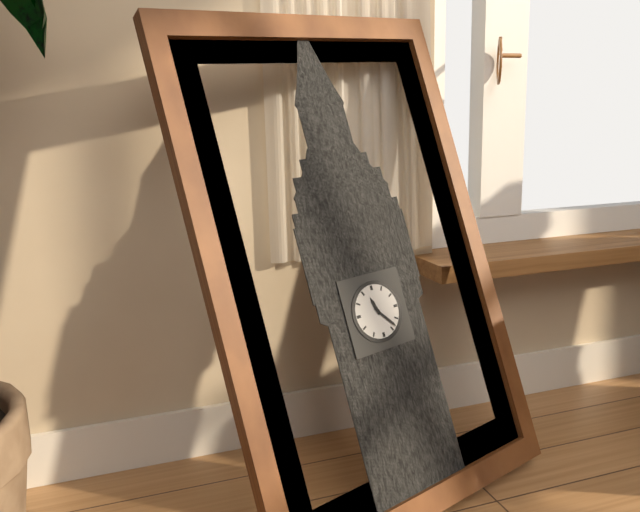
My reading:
11 h 23 min
